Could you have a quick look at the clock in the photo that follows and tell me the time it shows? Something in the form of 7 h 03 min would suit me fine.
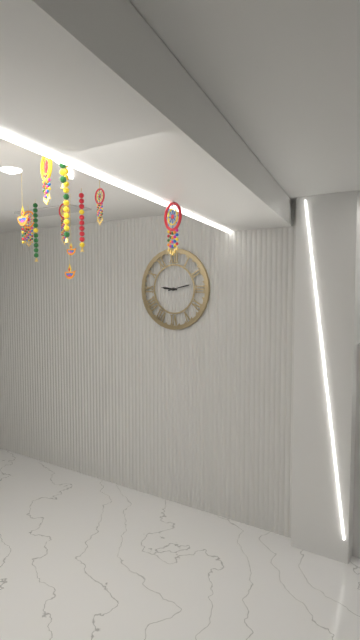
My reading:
9 h 13 min
